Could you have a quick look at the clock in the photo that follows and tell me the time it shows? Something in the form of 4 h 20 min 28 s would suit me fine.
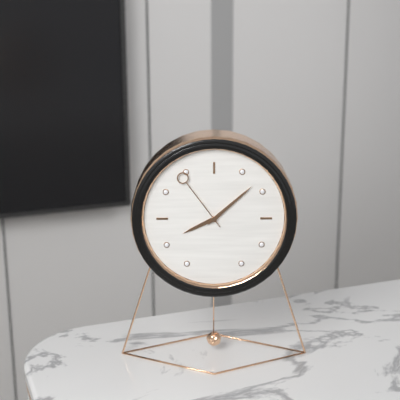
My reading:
8 h 08 min 54 s
